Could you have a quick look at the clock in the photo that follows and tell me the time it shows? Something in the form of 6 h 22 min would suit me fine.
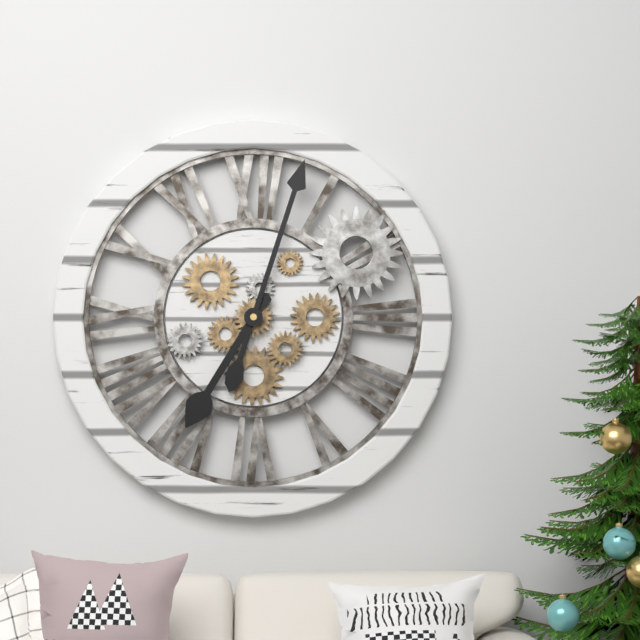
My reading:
7 h 03 min
